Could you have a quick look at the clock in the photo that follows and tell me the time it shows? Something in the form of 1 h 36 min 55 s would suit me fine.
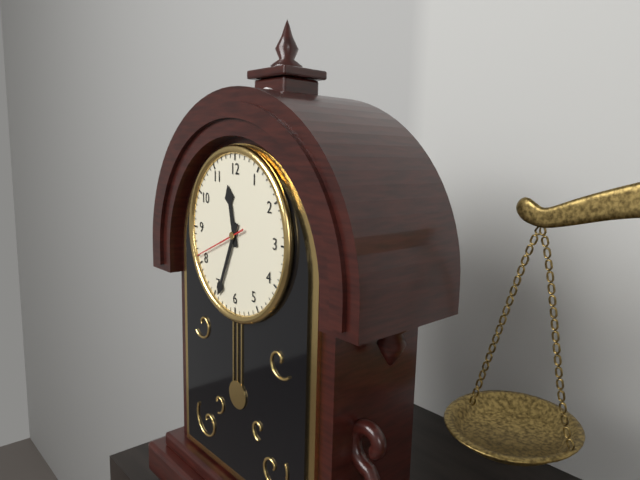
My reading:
11 h 34 min 41 s
